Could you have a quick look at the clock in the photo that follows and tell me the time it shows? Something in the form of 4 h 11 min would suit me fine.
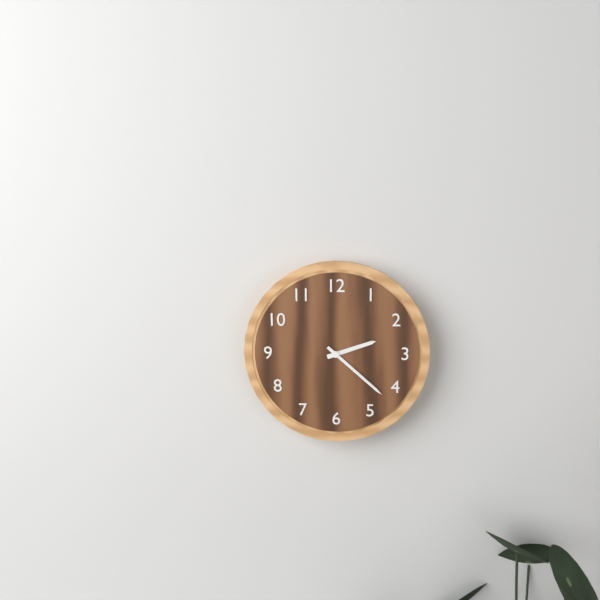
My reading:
2 h 22 min
